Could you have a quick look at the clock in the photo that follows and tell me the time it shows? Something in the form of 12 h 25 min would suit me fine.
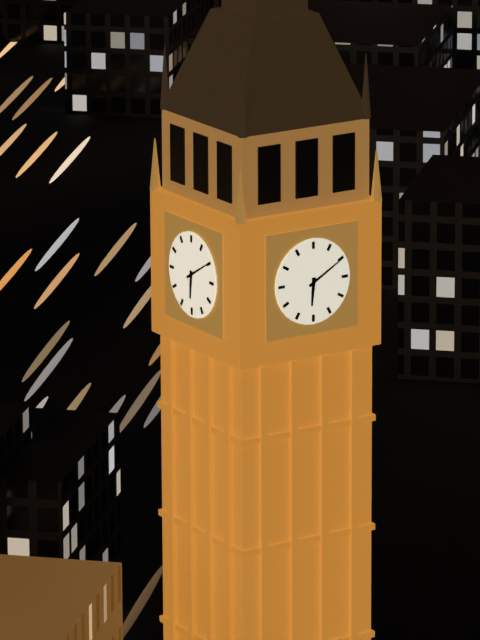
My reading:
6 h 10 min
